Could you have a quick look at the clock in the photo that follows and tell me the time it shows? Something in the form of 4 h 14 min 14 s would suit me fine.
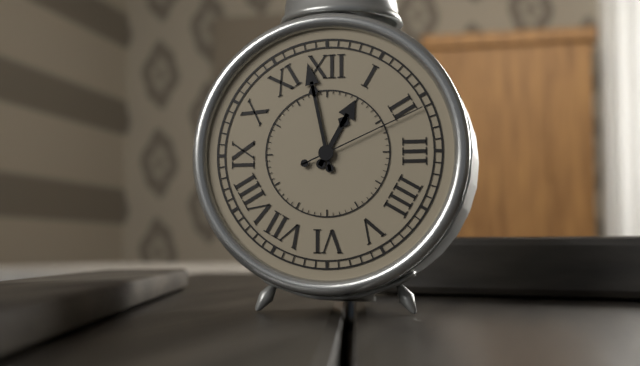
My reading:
12 h 58 min 11 s
